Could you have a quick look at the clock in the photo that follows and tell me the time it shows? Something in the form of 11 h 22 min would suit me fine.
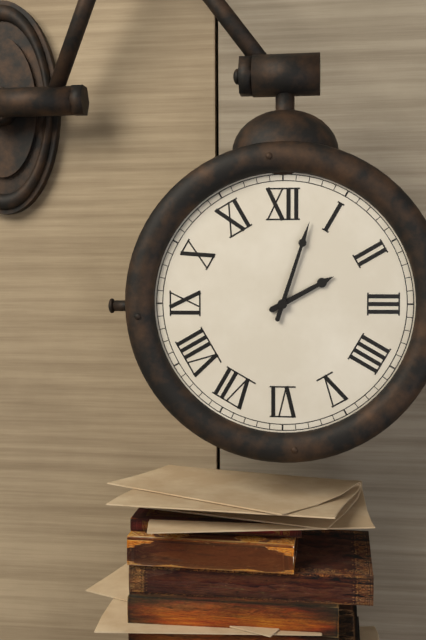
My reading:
2 h 03 min
